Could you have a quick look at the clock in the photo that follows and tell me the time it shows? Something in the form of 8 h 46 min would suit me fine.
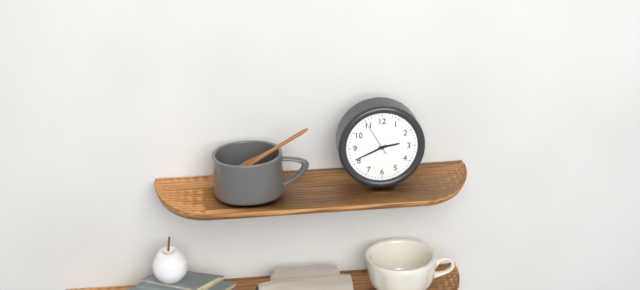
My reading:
2 h 41 min
